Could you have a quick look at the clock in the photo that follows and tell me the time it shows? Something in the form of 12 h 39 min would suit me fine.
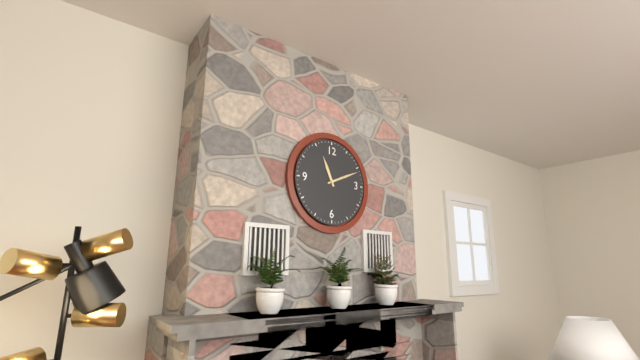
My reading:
11 h 11 min
